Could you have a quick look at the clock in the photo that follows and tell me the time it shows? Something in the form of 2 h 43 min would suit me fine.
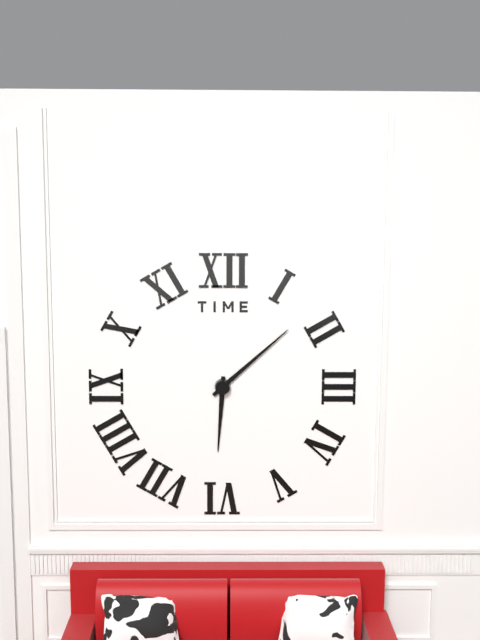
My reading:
6 h 08 min
